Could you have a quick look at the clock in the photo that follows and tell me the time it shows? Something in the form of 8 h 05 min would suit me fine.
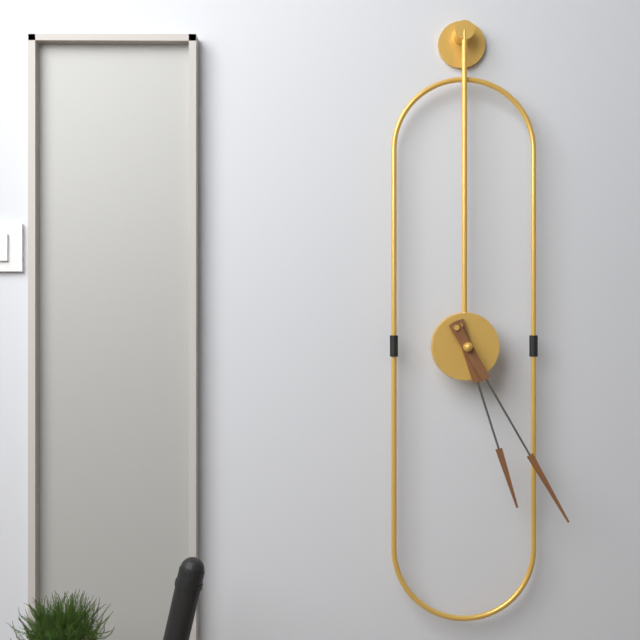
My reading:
5 h 25 min
